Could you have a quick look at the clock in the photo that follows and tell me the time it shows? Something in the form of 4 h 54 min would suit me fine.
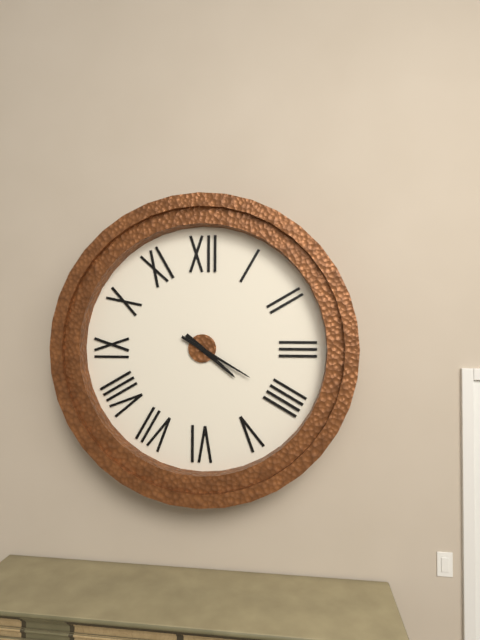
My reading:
4 h 20 min
